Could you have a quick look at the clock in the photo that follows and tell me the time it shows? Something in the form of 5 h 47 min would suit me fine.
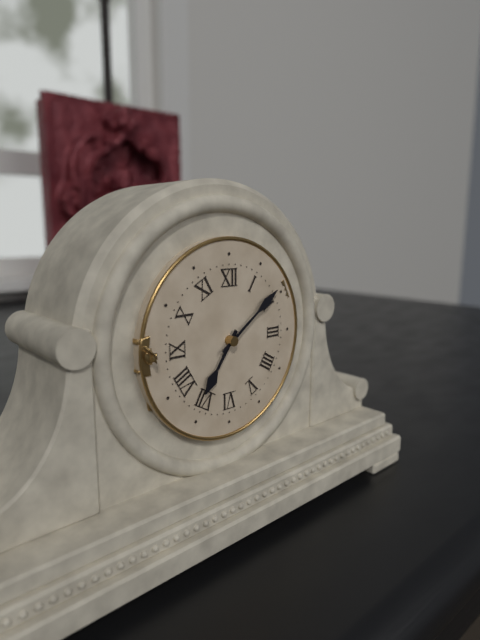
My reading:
7 h 09 min
